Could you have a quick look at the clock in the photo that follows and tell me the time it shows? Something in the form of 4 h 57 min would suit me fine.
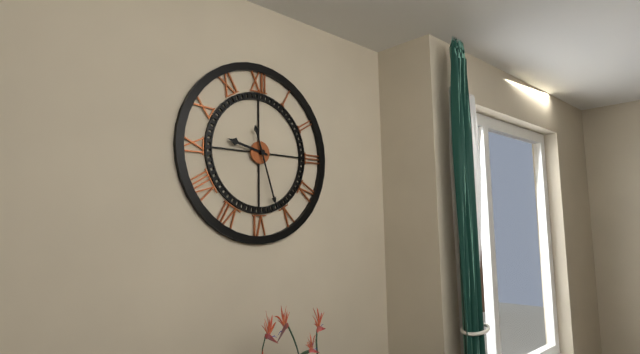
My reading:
9 h 27 min
